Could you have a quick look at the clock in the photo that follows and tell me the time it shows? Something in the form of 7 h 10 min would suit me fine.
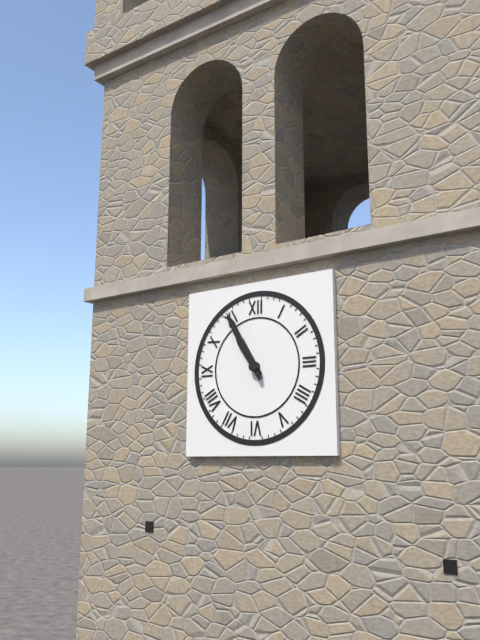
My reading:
10 h 55 min
